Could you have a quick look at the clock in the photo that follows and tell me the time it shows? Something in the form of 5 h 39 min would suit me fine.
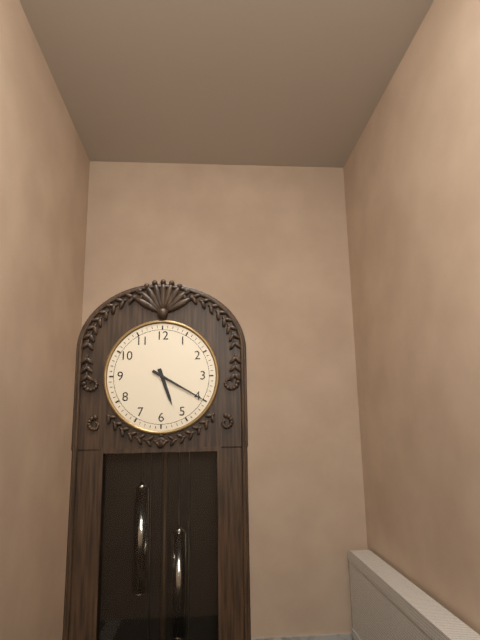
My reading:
5 h 20 min
